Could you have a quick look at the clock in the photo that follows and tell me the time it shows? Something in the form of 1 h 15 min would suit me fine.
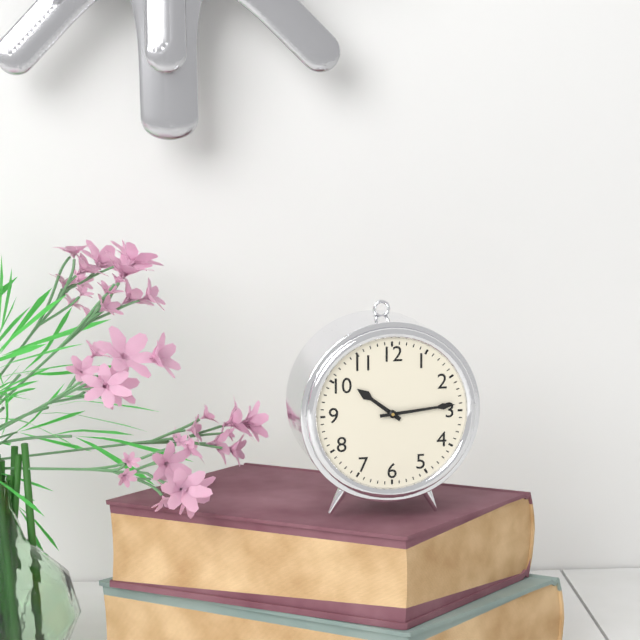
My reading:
10 h 14 min
